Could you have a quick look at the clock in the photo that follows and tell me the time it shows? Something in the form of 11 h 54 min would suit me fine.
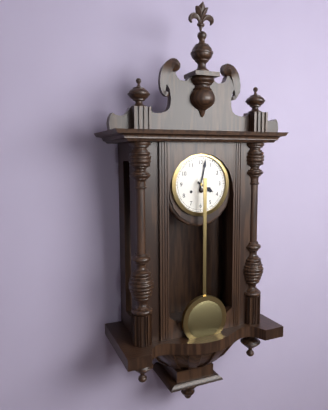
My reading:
4 h 02 min
